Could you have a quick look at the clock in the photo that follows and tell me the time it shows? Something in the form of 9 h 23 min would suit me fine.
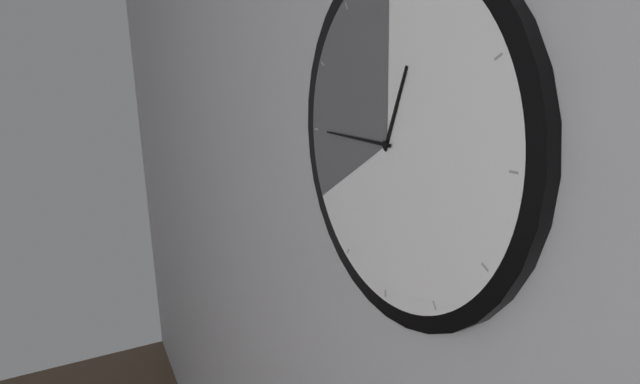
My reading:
12 h 45 min
